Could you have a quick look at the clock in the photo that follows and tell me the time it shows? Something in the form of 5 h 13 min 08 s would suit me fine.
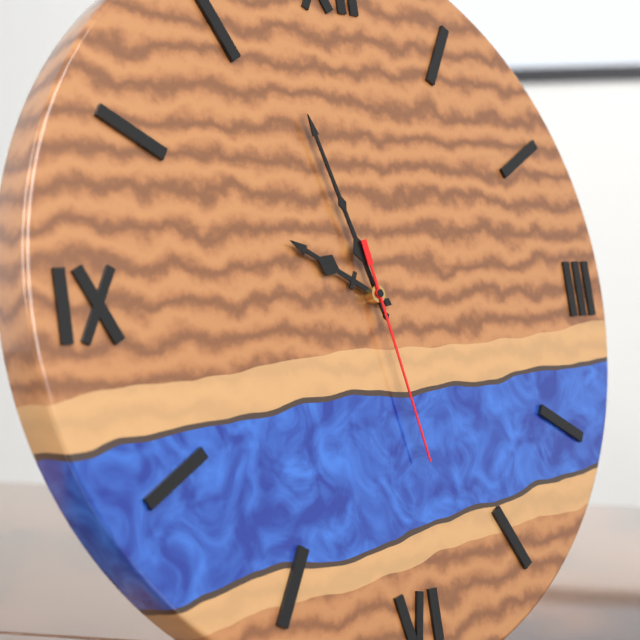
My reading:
9 h 57 min 28 s
